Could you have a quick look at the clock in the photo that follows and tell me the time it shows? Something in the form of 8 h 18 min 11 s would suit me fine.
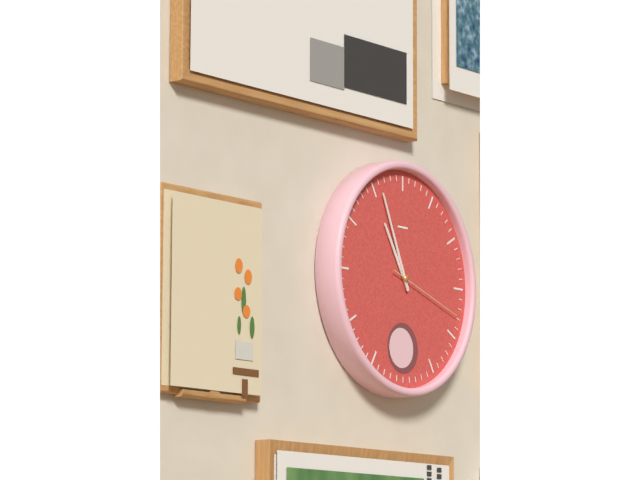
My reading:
10 h 56 min 18 s
